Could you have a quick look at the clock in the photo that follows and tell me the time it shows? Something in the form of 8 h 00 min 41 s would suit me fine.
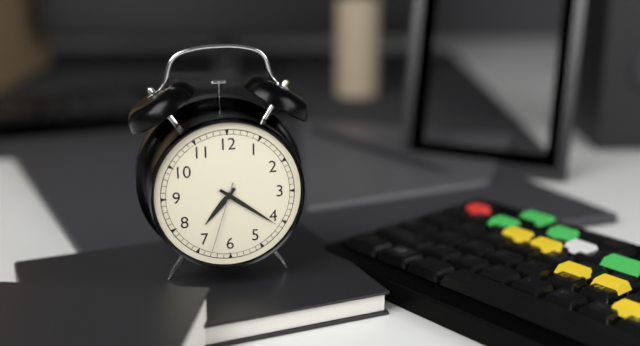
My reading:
7 h 21 min 33 s
